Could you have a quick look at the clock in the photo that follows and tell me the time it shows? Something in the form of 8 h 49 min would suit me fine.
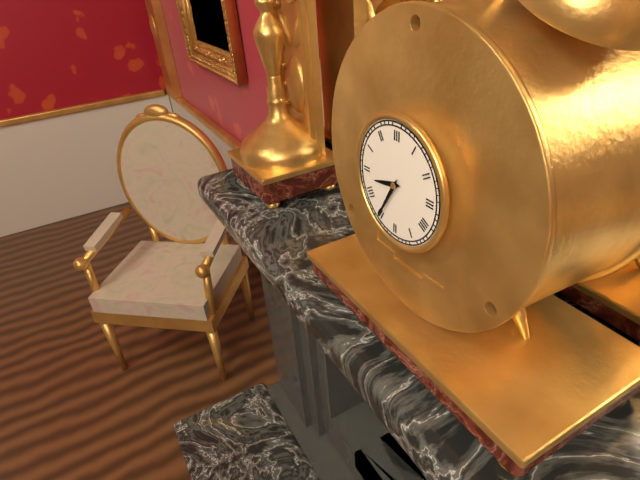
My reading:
8 h 35 min
